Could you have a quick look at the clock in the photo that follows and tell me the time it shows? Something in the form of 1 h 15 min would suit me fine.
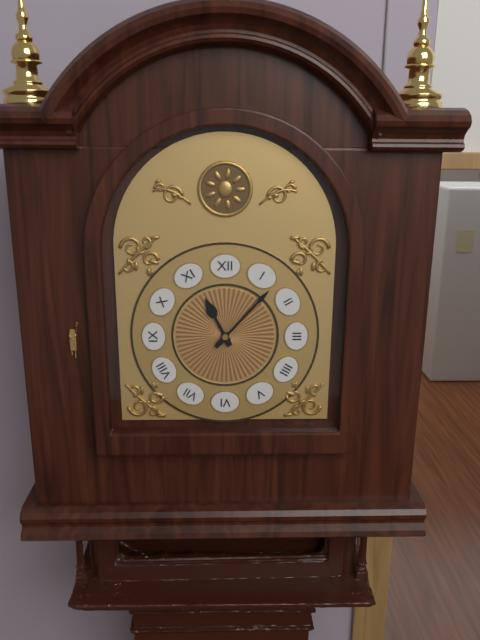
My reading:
11 h 07 min
